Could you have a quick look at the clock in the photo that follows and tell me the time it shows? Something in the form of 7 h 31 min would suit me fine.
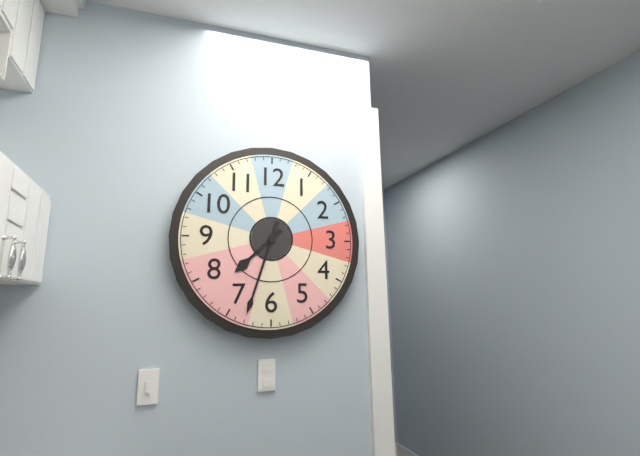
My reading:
7 h 33 min
